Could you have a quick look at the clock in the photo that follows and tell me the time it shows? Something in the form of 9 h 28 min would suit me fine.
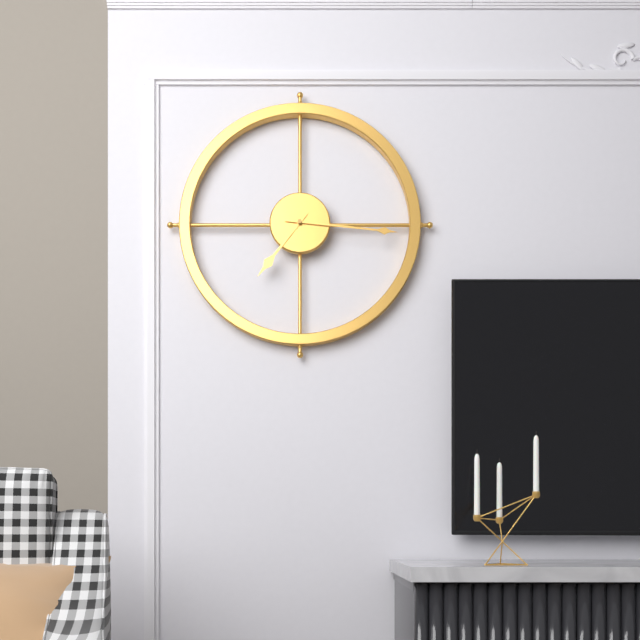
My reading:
7 h 16 min
